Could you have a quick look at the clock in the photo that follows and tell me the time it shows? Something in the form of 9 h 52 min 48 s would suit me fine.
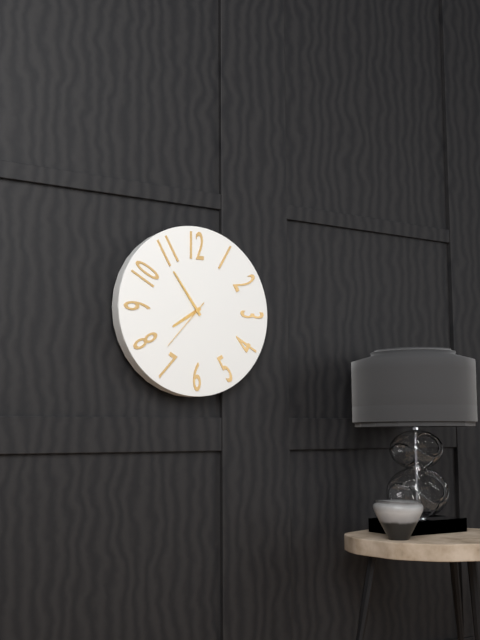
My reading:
7 h 54 min 37 s
